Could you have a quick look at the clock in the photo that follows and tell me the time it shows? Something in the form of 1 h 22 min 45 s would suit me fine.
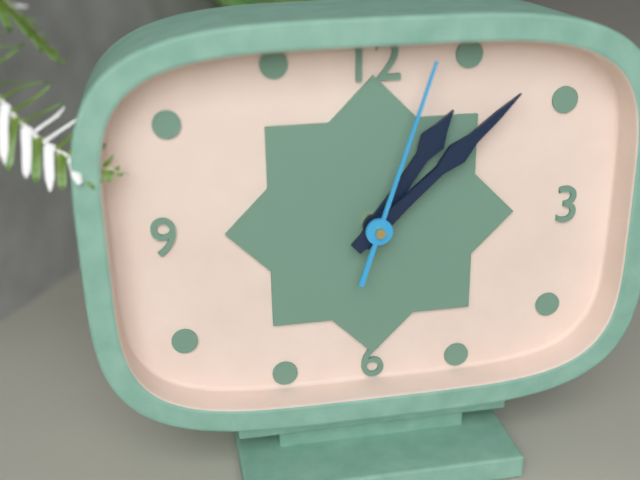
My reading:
1 h 08 min 03 s
